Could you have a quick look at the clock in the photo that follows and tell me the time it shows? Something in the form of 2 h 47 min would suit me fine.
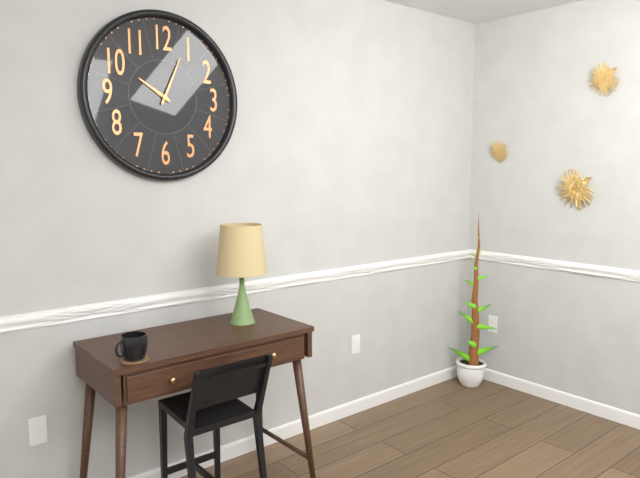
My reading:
10 h 04 min
